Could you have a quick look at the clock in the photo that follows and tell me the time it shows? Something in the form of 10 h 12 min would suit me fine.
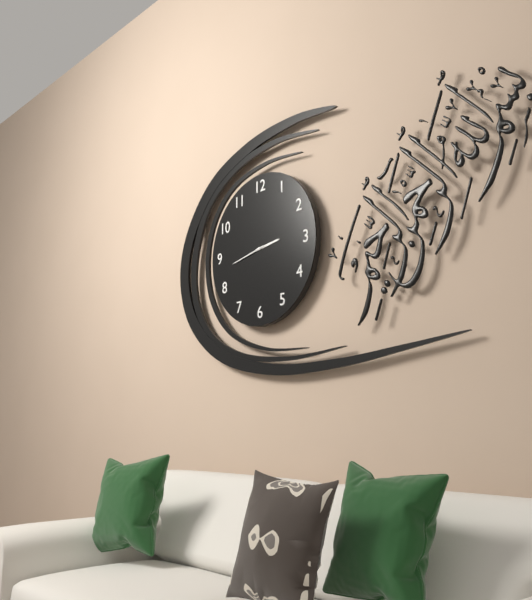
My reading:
2 h 43 min
